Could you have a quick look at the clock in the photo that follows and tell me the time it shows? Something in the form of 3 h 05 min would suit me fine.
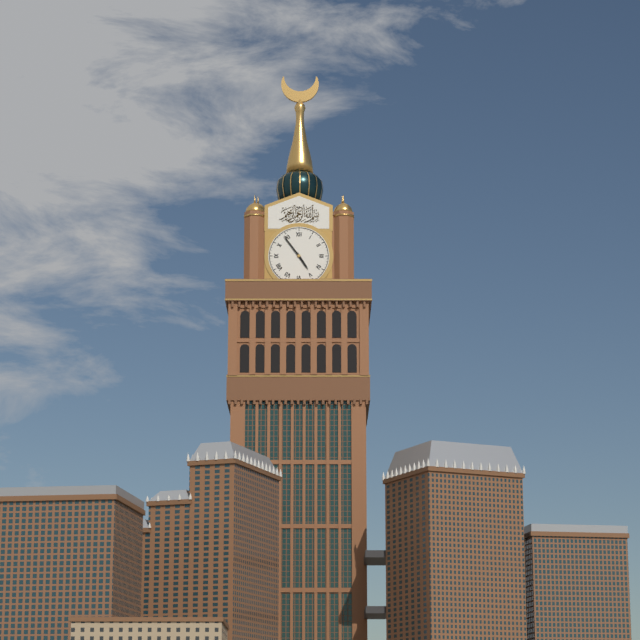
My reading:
4 h 54 min
